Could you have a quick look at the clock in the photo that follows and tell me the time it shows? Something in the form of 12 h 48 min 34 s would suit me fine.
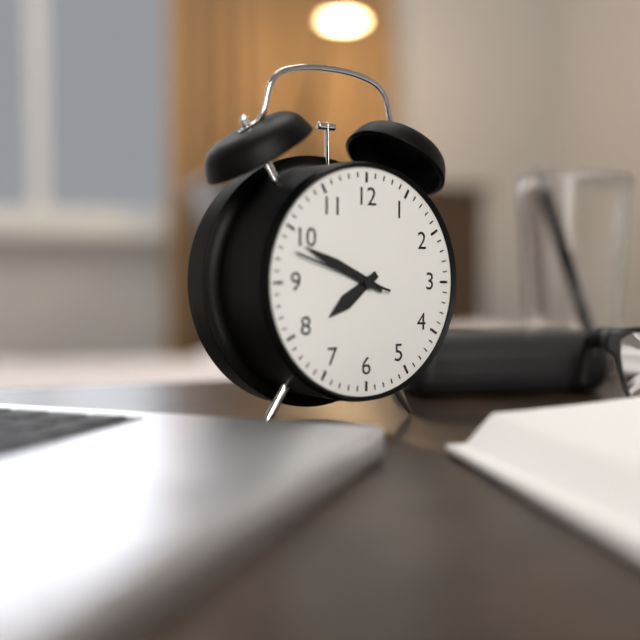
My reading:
7 h 49 min 48 s
